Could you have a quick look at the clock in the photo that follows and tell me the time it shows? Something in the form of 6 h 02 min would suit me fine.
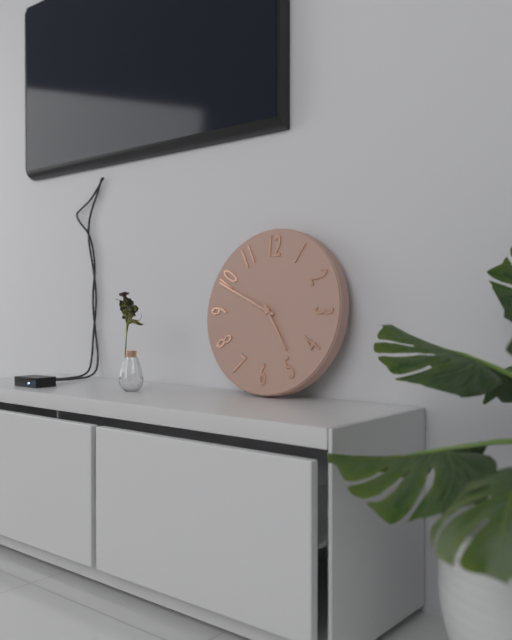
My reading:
4 h 49 min
